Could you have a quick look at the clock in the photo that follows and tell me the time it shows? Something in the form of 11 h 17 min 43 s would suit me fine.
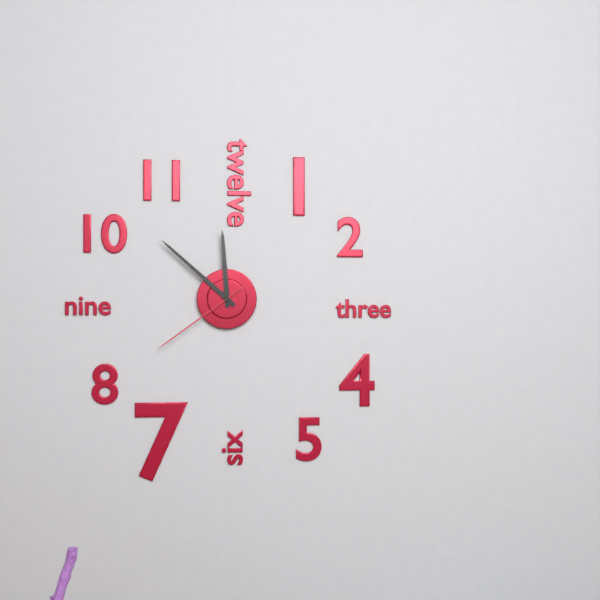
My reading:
11 h 52 min 39 s
